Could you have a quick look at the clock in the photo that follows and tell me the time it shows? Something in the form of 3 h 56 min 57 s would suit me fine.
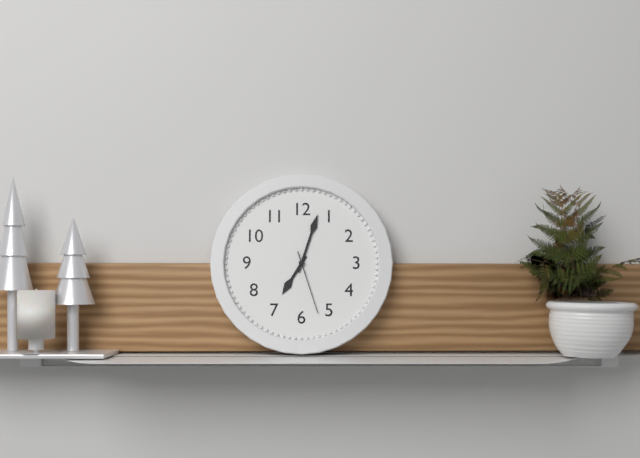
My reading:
7 h 03 min 27 s
